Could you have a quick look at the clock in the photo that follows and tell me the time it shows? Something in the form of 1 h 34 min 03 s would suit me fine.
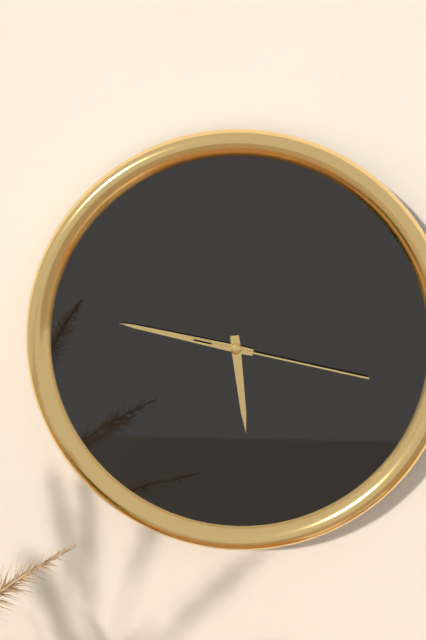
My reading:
5 h 47 min 17 s
